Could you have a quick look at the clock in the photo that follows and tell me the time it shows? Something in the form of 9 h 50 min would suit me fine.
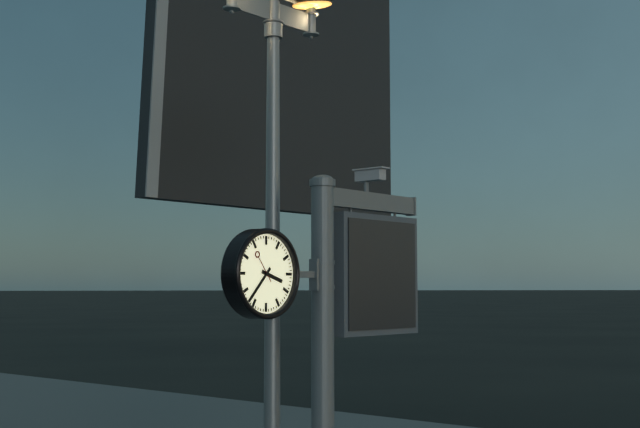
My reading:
3 h 37 min
